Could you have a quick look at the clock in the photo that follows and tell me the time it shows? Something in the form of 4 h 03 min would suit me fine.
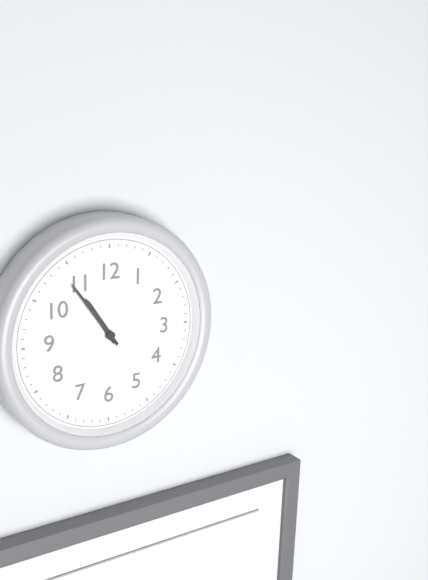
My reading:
10 h 54 min
